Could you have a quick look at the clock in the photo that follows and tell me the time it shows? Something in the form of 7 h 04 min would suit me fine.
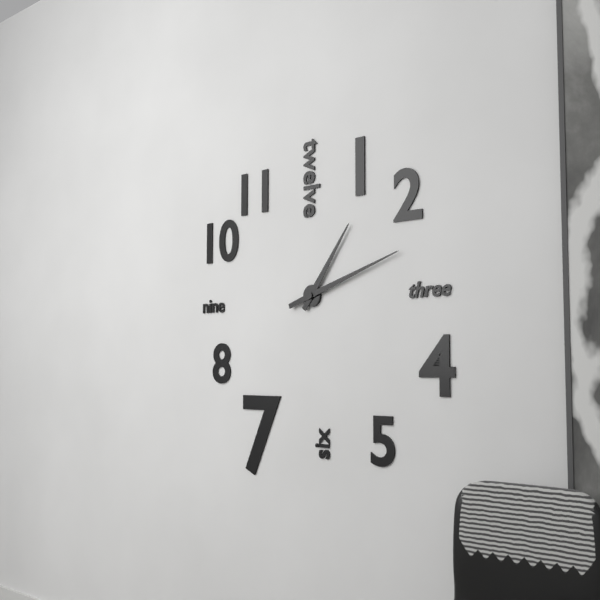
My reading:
1 h 12 min
